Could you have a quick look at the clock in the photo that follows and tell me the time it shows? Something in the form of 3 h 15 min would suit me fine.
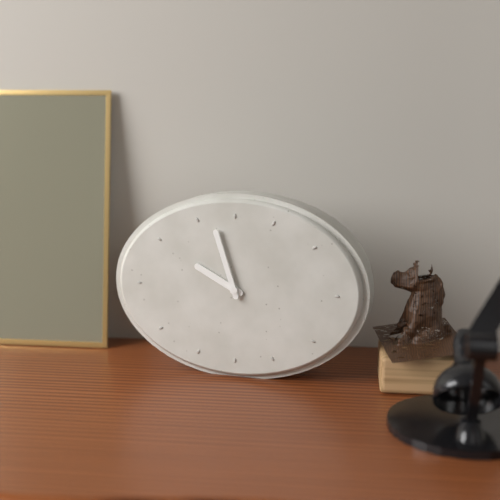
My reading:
9 h 57 min
